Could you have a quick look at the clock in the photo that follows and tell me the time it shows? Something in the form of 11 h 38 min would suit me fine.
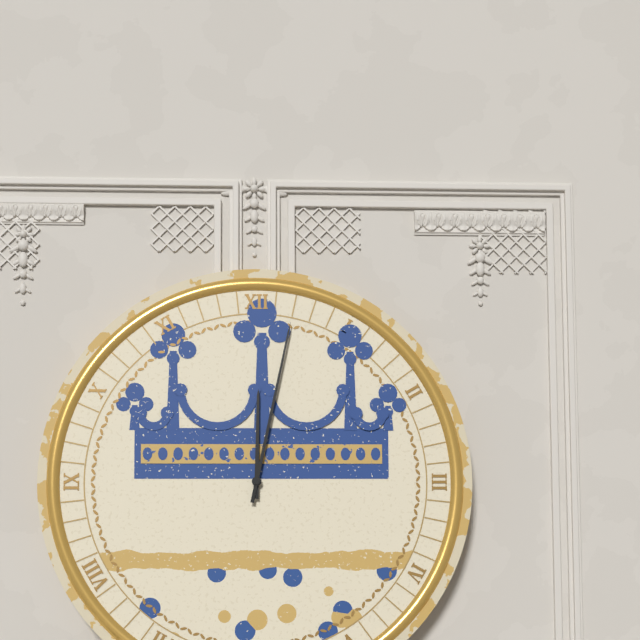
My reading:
12 h 02 min
